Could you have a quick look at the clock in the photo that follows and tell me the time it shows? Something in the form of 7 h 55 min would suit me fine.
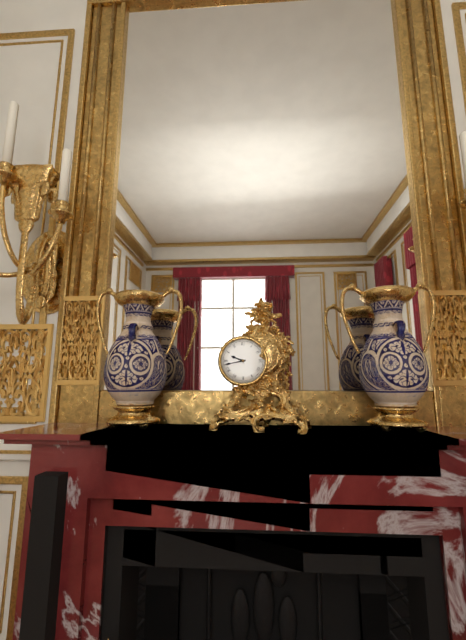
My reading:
9 h 43 min
